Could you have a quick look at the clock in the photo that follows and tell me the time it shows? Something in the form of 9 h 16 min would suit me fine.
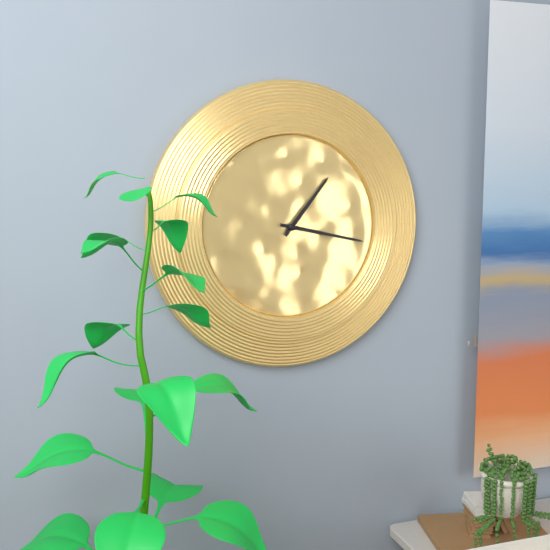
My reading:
1 h 17 min
